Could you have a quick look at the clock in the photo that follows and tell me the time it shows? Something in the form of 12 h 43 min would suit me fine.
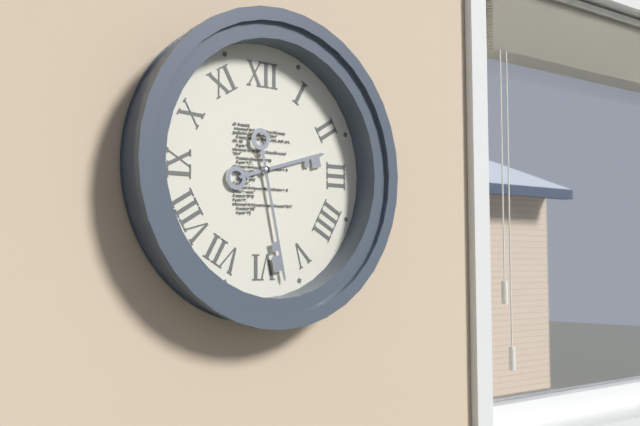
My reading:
2 h 28 min
